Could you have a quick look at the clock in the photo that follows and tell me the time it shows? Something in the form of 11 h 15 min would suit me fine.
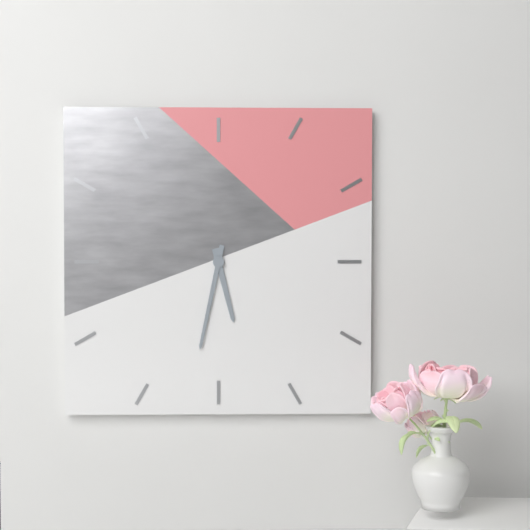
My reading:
5 h 32 min
